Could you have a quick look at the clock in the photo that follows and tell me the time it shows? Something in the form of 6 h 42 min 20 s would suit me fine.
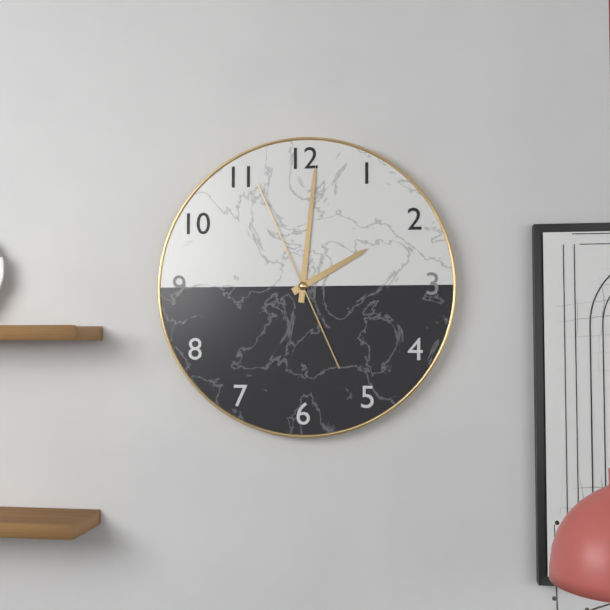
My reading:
2 h 01 min 56 s
